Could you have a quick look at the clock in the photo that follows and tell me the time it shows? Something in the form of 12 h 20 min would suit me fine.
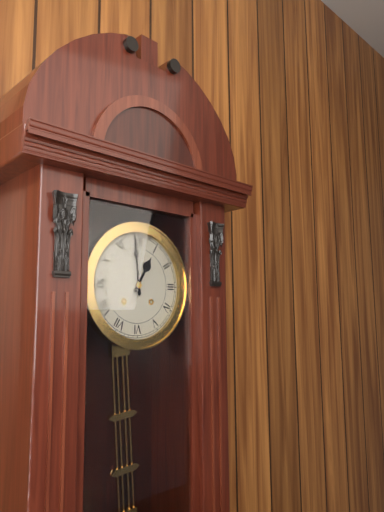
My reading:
12 h 59 min
